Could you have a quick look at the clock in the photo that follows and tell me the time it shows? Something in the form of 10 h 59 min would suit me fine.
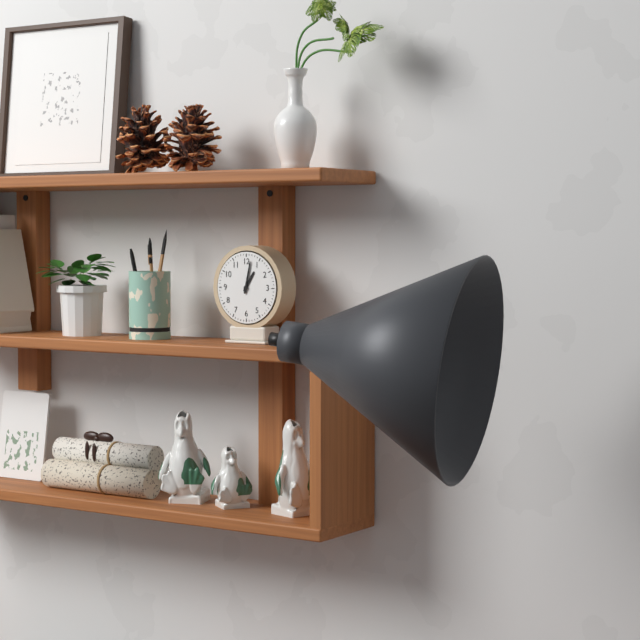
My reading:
1 h 02 min
